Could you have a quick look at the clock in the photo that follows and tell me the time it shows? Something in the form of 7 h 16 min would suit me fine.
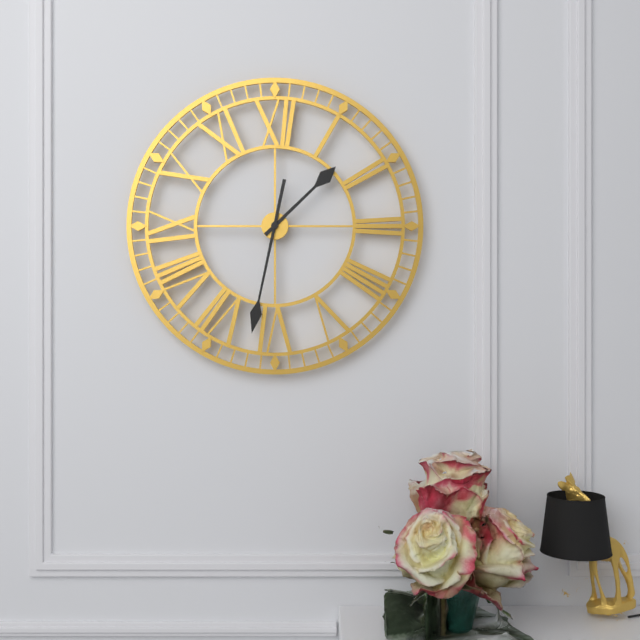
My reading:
1 h 32 min
